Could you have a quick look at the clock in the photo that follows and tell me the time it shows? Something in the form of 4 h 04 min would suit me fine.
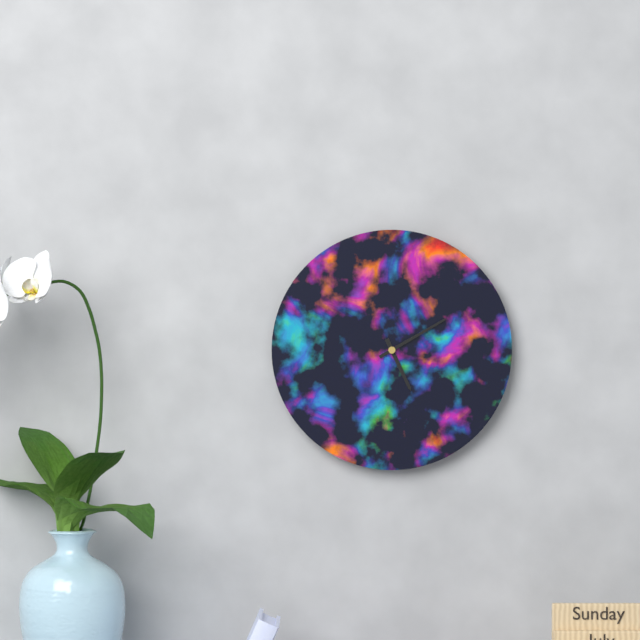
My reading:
5 h 10 min
